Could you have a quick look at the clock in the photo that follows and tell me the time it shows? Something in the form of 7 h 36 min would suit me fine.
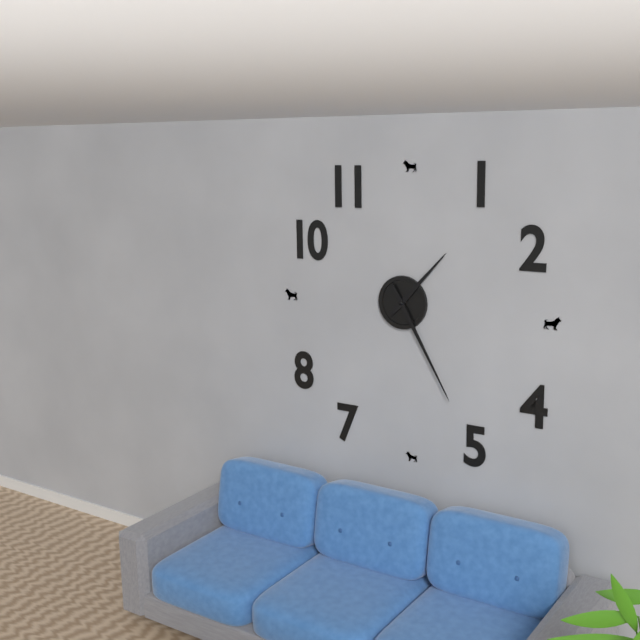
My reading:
1 h 25 min
